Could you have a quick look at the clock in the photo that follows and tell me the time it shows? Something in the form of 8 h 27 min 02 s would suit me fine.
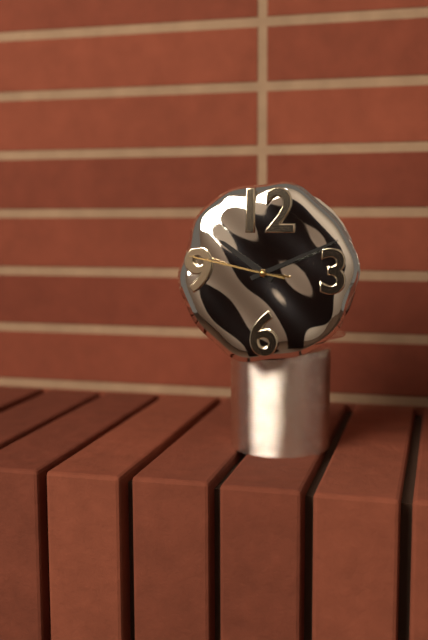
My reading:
10 h 11 min 47 s
